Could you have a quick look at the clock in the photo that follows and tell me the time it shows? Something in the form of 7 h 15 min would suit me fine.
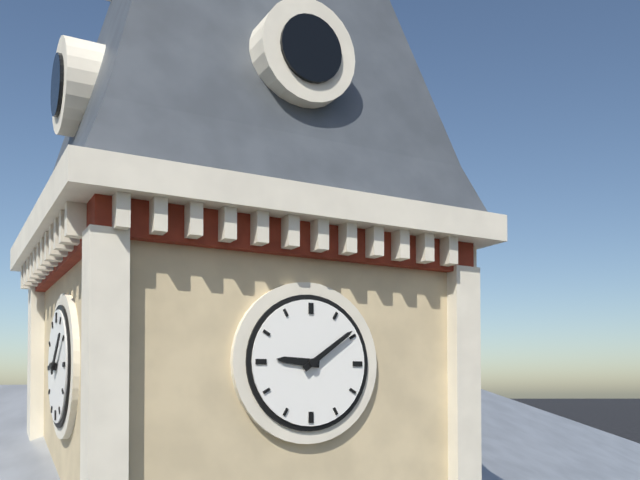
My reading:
9 h 09 min
